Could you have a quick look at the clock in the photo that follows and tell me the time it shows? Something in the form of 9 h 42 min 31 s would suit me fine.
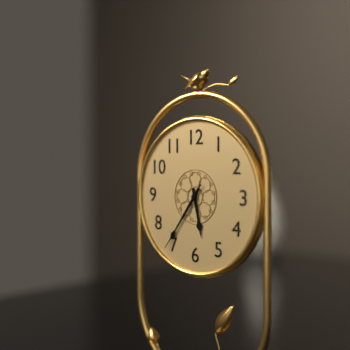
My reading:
5 h 36 min 36 s
